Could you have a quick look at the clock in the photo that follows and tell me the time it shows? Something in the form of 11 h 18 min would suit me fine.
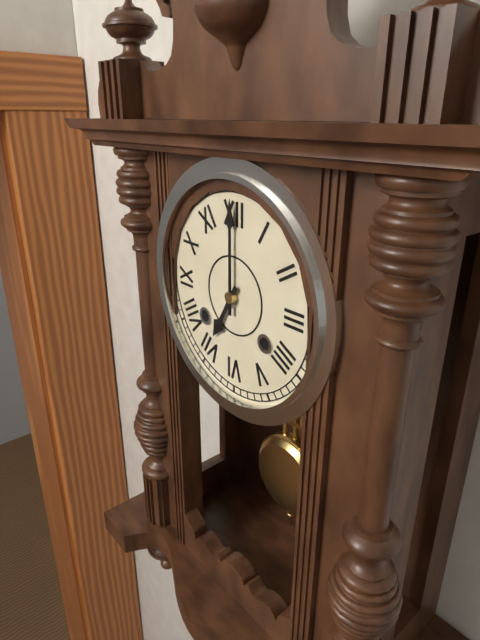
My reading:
7 h 00 min
